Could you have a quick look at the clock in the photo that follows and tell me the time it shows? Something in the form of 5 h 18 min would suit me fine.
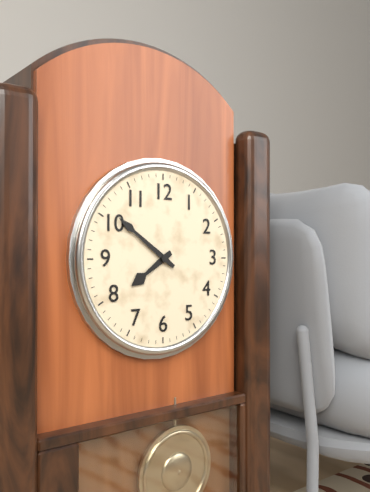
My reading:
7 h 51 min
